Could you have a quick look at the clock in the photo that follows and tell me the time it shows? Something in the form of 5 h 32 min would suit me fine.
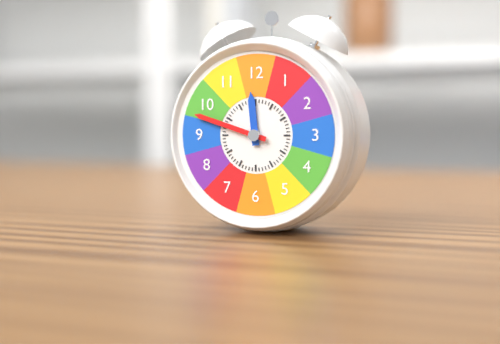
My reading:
11 h 48 min
